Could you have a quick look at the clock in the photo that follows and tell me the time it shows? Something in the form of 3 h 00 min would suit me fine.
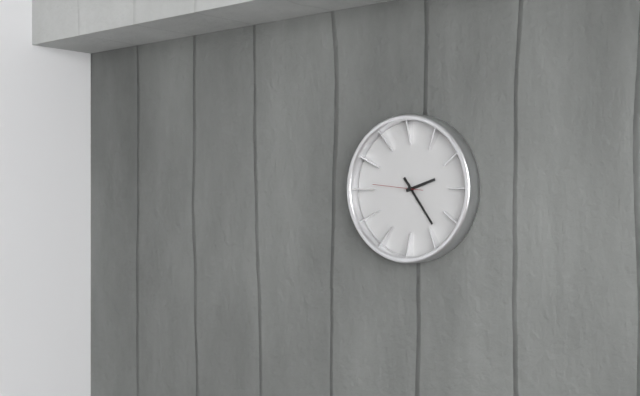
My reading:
2 h 24 min
